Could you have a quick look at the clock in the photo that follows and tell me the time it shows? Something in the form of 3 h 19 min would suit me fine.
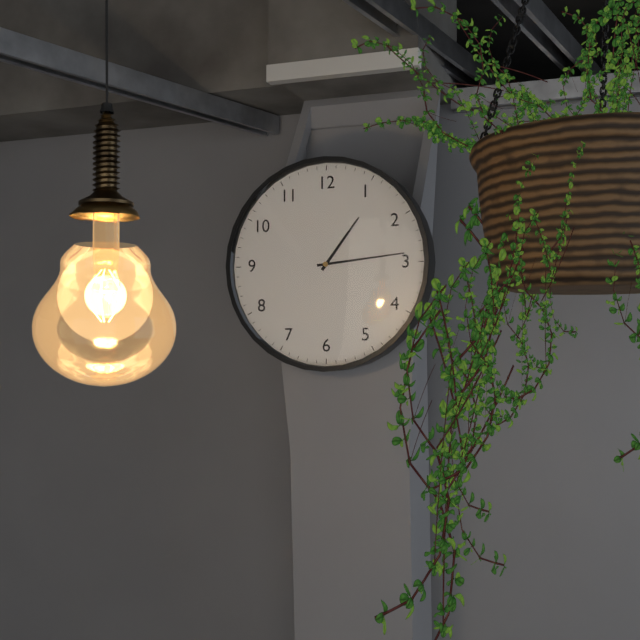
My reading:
1 h 14 min
